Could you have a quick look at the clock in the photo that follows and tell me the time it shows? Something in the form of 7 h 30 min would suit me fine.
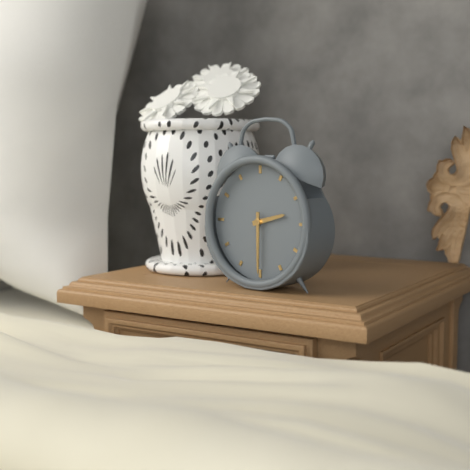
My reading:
2 h 30 min
